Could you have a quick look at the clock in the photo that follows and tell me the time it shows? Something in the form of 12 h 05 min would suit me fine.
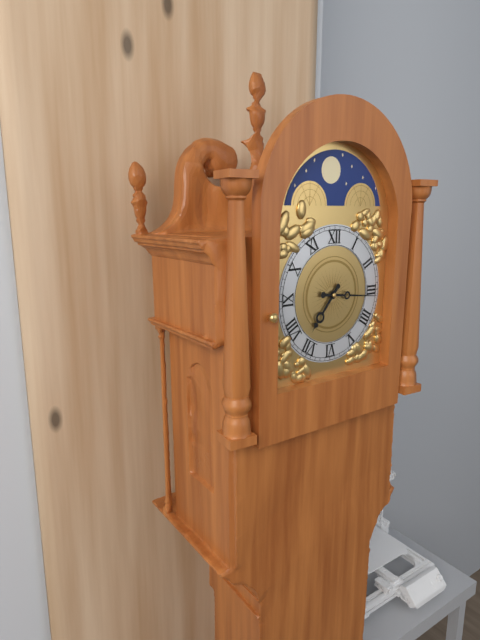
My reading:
7 h 16 min
